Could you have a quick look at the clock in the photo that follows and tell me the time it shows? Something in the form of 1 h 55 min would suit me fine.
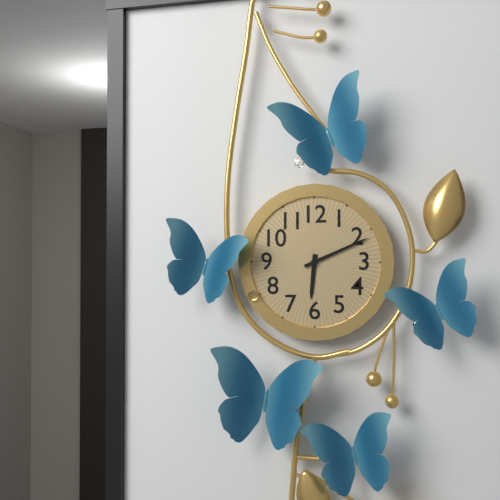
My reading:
6 h 11 min
